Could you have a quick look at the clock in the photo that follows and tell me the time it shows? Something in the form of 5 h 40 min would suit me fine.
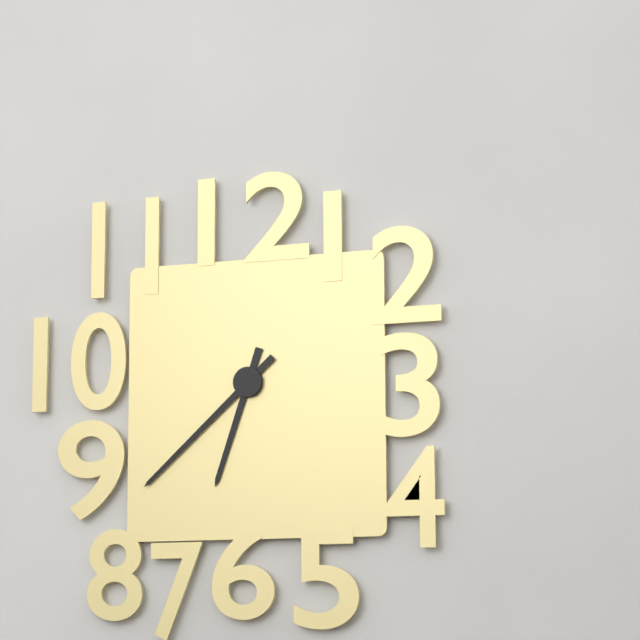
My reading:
6 h 38 min
